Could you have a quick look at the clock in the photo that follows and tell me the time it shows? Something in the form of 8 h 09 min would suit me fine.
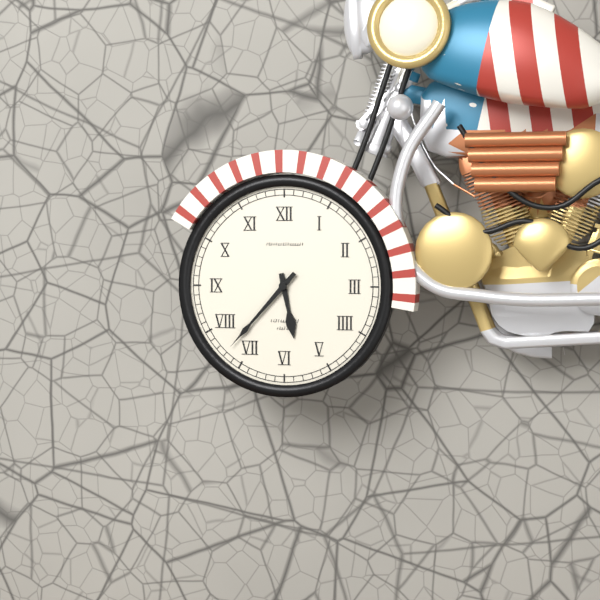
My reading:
5 h 37 min
